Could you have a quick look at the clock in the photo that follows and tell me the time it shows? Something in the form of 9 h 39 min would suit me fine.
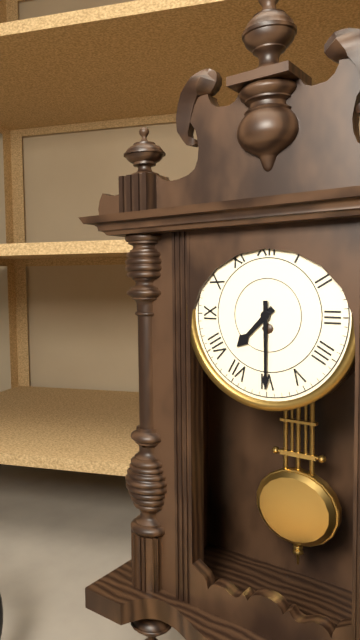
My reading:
7 h 30 min
